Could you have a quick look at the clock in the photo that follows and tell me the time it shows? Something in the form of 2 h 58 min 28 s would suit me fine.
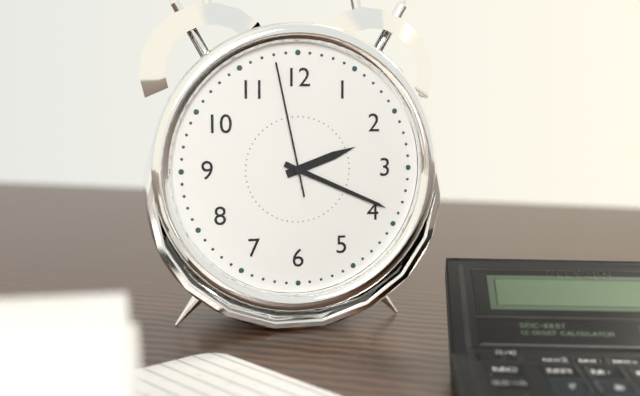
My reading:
2 h 19 min 58 s
